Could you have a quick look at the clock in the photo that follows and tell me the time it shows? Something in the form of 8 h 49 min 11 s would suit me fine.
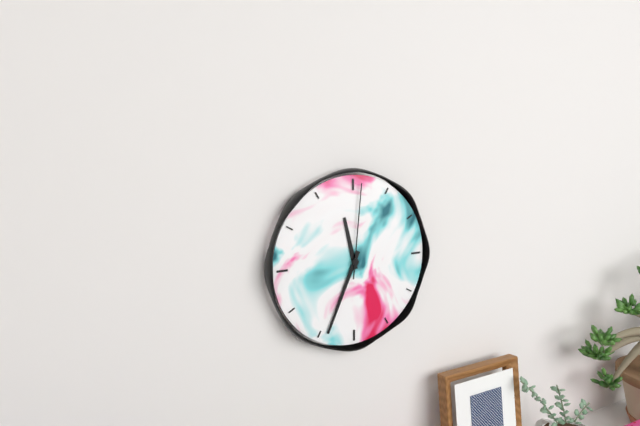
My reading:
11 h 34 min 01 s
